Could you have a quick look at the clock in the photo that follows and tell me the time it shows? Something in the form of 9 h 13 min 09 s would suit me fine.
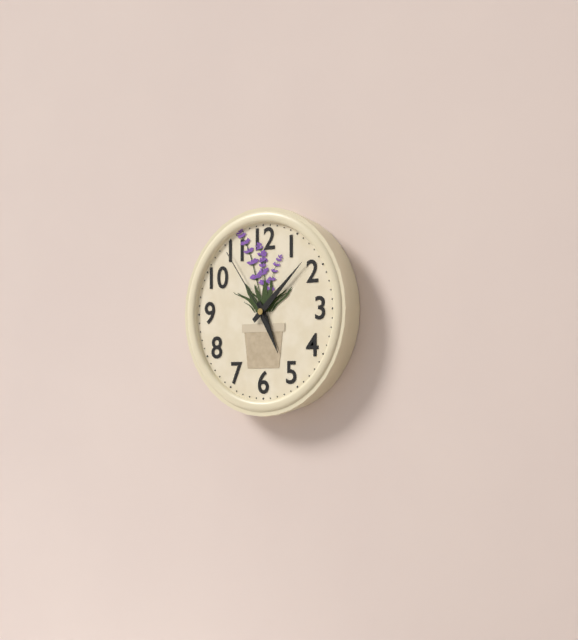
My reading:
5 h 08 min 54 s
